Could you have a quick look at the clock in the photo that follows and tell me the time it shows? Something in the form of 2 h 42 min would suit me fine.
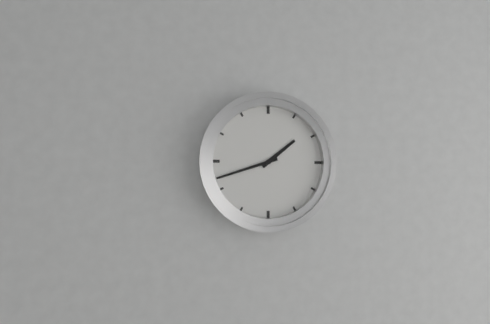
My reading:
1 h 42 min
